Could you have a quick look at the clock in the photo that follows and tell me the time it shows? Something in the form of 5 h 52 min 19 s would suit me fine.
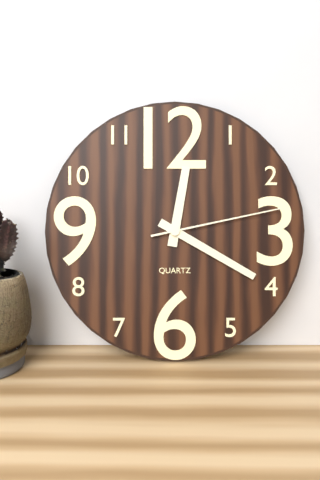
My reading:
12 h 20 min 13 s
